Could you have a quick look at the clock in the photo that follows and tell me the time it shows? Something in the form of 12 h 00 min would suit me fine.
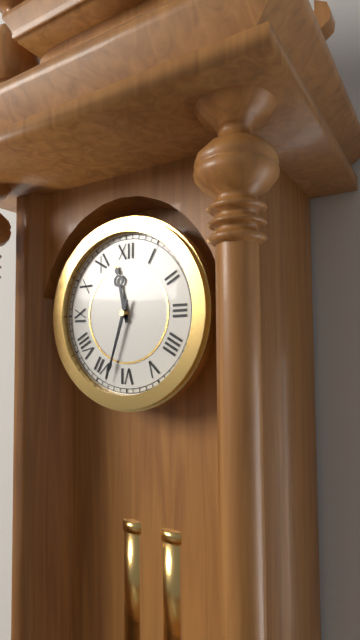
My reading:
11 h 33 min
